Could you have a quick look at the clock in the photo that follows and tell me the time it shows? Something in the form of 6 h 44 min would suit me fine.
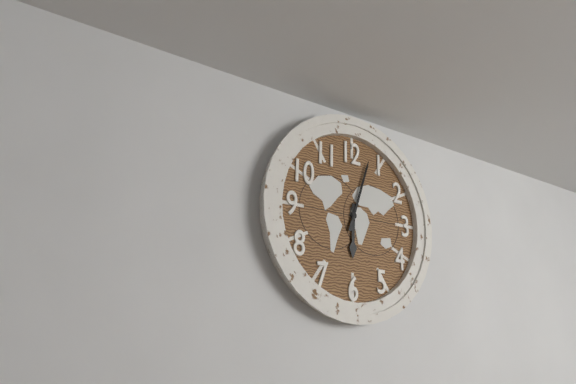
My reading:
6 h 03 min
